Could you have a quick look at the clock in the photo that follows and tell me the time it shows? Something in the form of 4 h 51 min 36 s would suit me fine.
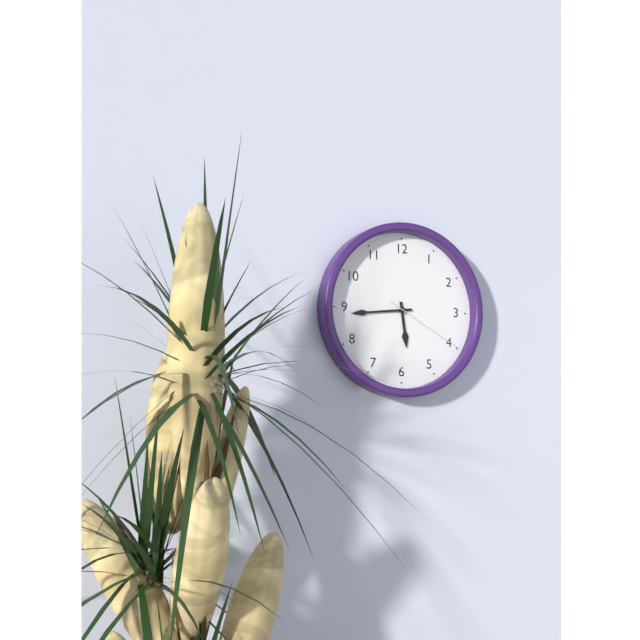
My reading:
5 h 44 min 20 s
